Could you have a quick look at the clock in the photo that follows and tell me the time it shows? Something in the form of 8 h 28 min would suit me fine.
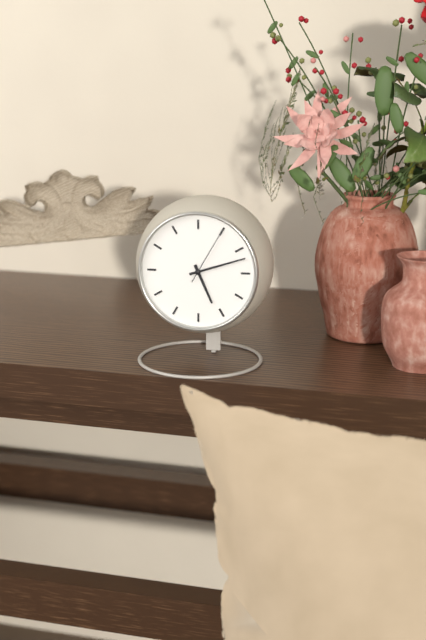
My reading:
5 h 12 min
